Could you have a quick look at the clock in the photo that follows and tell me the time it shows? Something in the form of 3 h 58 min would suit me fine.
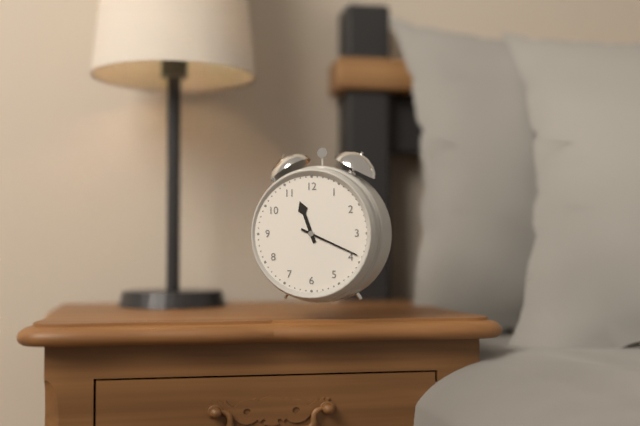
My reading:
11 h 19 min
